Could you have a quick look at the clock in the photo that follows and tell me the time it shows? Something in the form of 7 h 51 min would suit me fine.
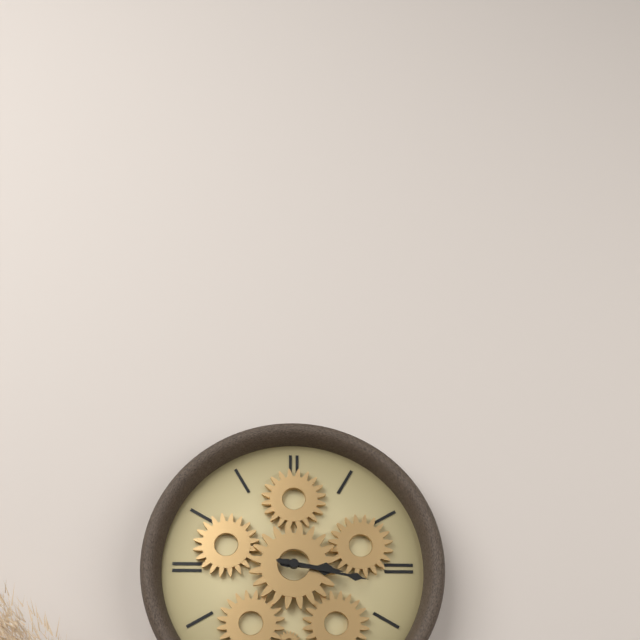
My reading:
3 h 17 min
